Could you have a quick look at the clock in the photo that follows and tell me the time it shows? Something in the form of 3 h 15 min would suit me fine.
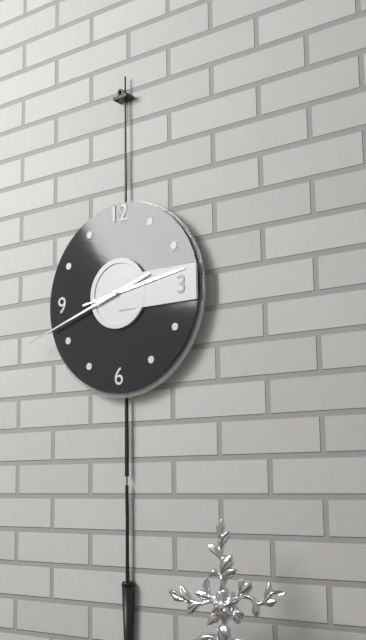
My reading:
2 h 42 min
